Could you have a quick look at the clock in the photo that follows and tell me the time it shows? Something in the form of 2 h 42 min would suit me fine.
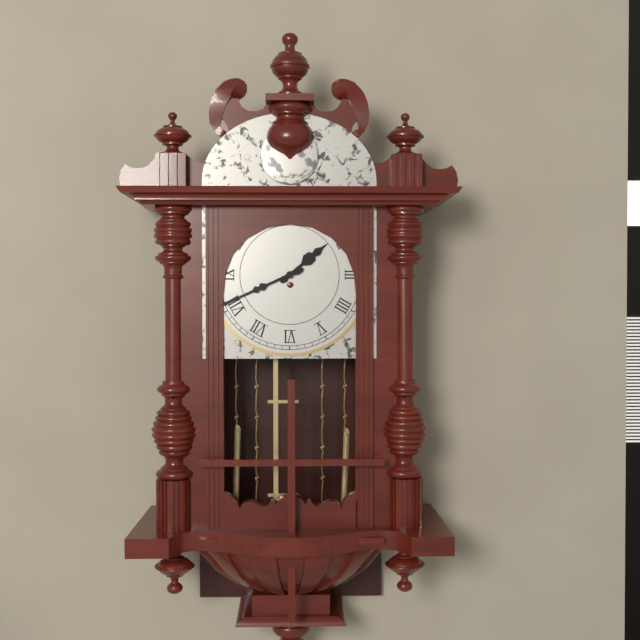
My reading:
1 h 41 min
